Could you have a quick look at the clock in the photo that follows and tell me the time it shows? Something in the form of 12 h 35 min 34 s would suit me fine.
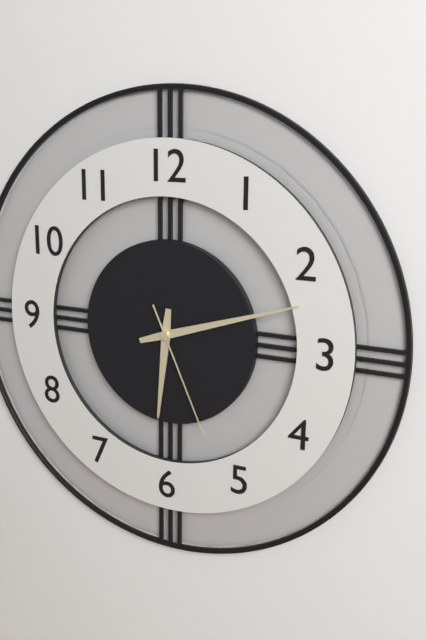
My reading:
6 h 12 min 26 s
